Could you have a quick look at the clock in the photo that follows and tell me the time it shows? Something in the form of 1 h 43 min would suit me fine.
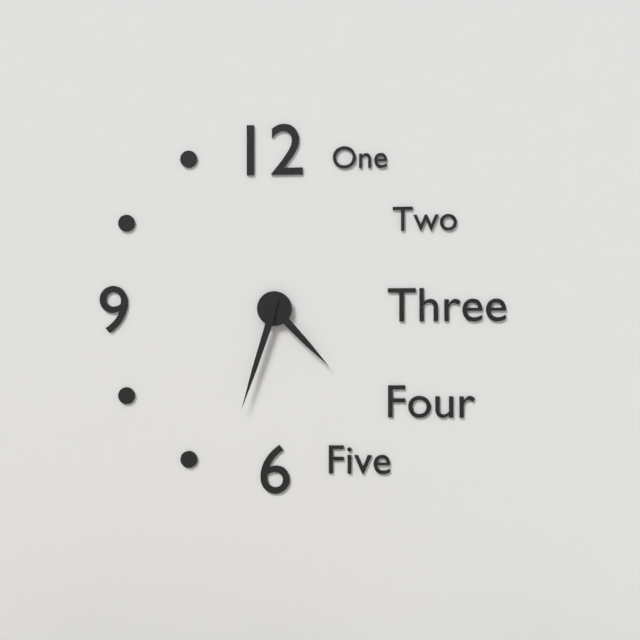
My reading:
4 h 33 min
